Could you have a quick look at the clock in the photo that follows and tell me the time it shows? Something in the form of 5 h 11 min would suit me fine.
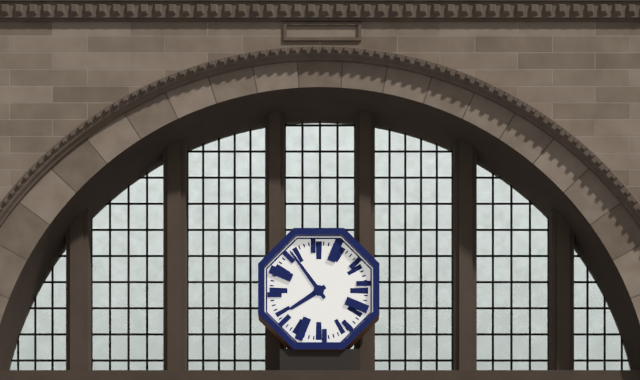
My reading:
7 h 54 min
